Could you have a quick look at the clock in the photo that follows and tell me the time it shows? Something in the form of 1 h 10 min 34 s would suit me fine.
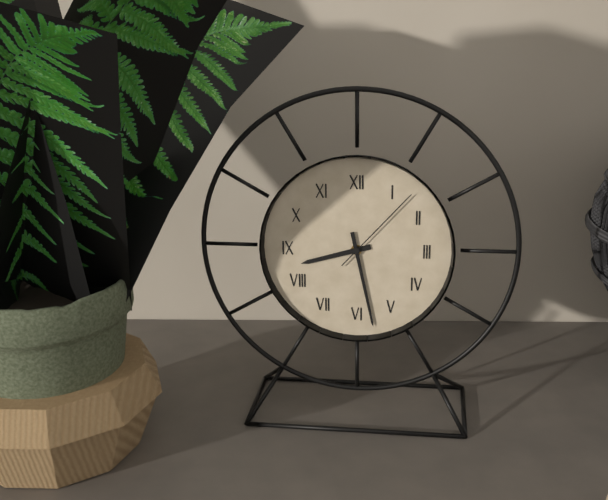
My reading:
8 h 28 min 07 s
